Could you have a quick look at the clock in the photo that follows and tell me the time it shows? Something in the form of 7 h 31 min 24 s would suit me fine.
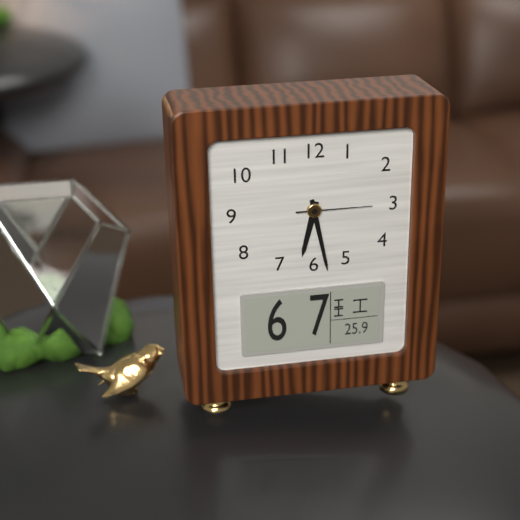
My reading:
6 h 28 min 15 s
